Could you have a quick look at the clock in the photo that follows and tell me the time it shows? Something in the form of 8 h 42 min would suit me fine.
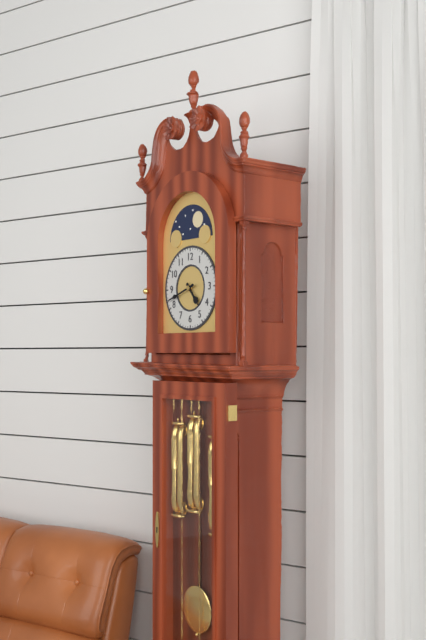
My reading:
4 h 42 min
